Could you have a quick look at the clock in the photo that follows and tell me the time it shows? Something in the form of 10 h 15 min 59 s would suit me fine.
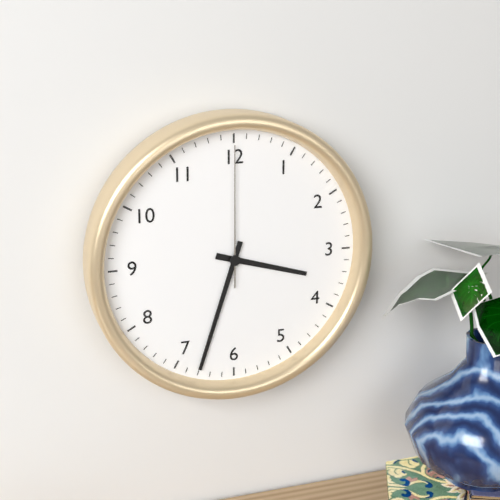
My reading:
3 h 33 min 00 s
